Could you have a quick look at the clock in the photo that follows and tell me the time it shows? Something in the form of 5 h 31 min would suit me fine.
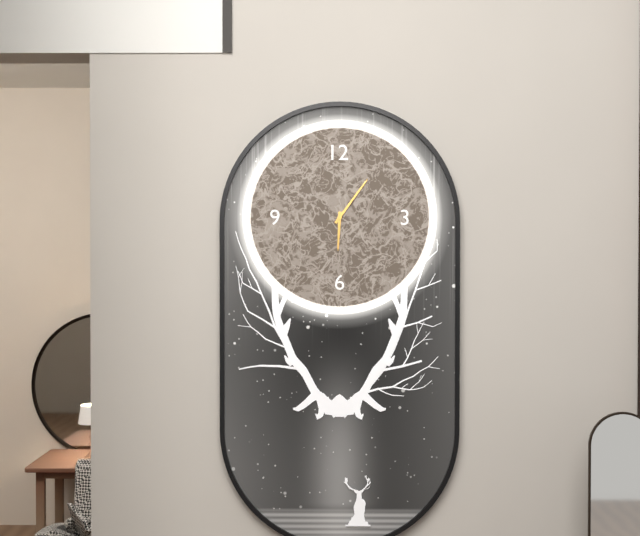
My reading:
6 h 06 min
